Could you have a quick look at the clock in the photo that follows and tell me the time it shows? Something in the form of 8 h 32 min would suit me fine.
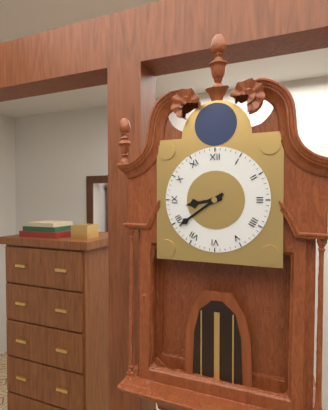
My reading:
8 h 39 min
